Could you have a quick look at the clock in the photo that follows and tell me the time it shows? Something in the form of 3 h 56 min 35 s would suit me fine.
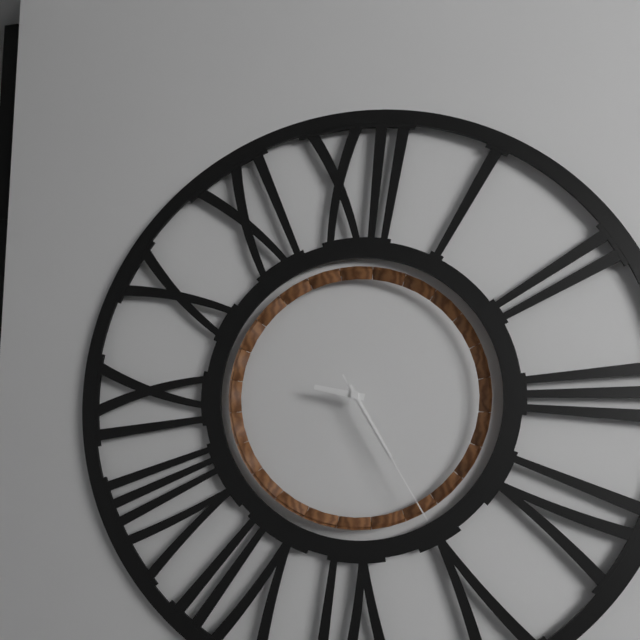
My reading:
9 h 25 min 25 s
